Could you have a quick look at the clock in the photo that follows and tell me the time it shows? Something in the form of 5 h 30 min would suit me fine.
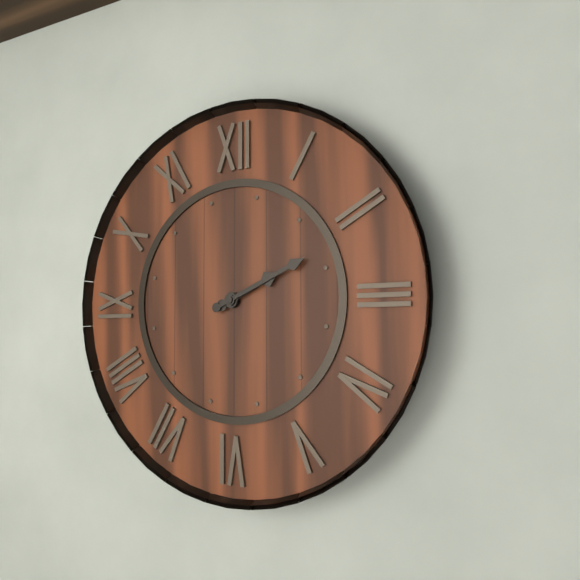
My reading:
2 h 11 min
